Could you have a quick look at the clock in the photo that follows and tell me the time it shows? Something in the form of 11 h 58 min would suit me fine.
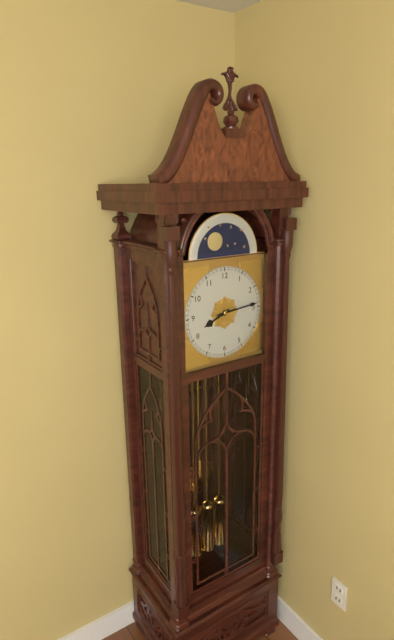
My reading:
8 h 14 min
